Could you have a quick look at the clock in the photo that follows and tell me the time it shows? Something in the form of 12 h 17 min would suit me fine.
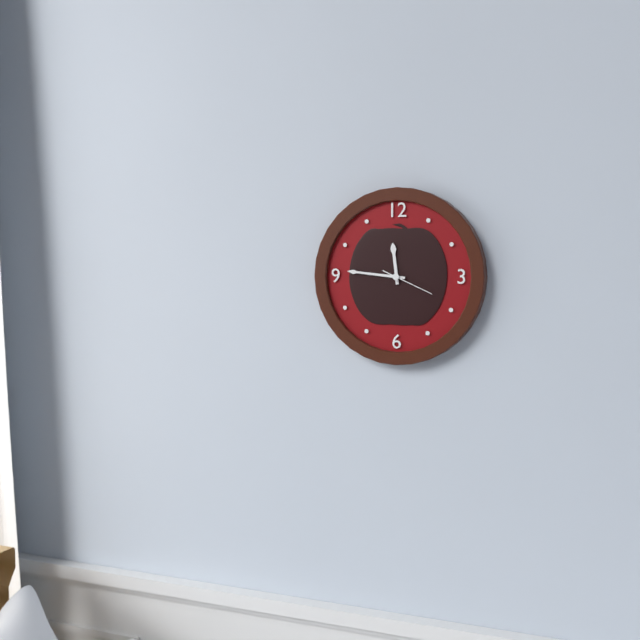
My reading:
11 h 46 min
